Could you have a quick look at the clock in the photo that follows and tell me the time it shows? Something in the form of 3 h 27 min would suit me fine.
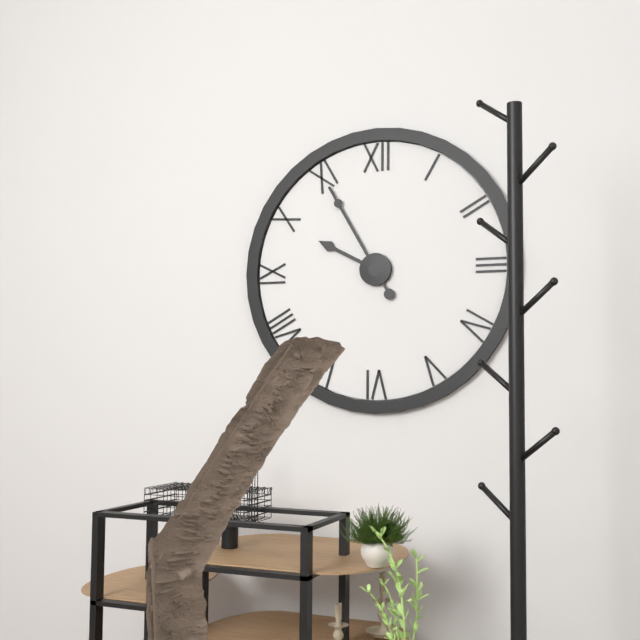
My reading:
9 h 55 min
